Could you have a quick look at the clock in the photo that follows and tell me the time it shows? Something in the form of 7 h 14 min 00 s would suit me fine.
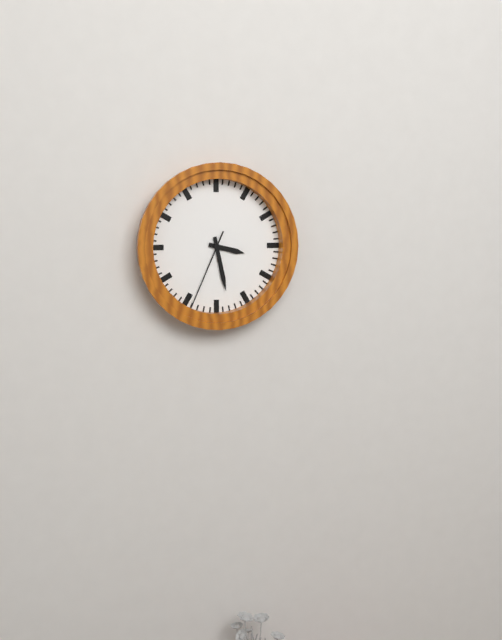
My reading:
3 h 28 min 34 s
